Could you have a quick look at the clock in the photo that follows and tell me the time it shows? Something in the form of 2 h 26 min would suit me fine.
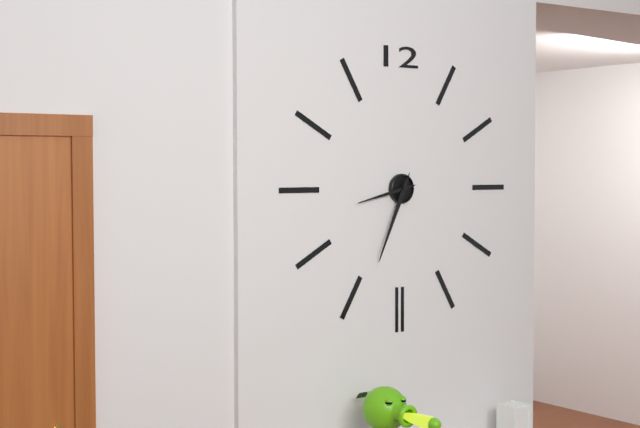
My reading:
8 h 34 min
